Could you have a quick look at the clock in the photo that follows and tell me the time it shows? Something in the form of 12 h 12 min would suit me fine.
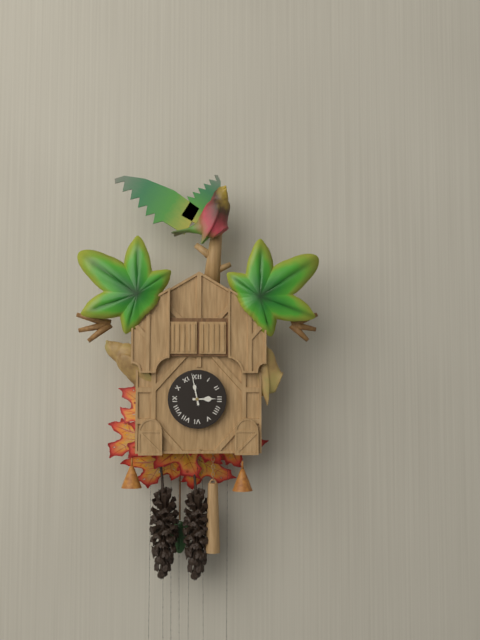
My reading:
2 h 58 min
